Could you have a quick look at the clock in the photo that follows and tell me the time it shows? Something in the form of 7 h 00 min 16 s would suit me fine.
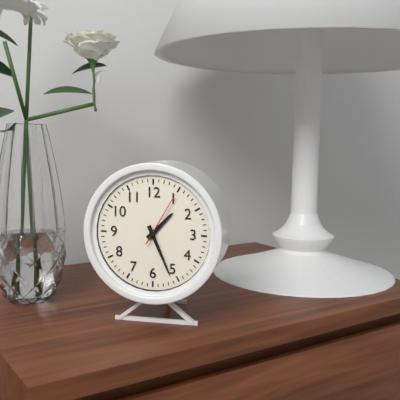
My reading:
1 h 26 min 05 s
